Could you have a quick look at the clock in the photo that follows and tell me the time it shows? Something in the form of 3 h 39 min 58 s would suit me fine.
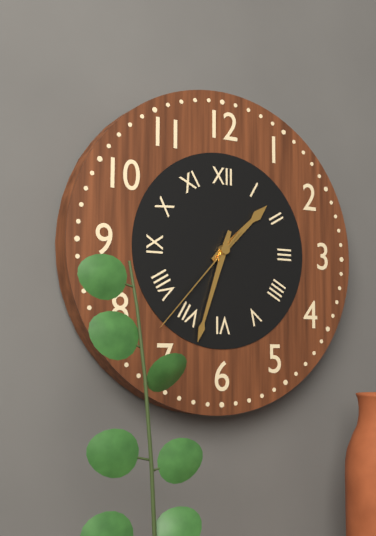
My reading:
1 h 33 min 37 s
